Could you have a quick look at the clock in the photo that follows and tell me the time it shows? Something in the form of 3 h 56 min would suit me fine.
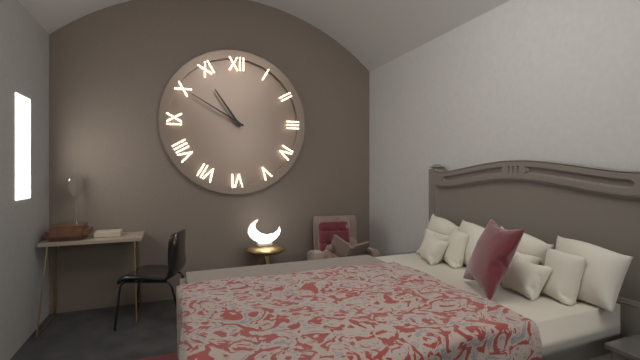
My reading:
10 h 50 min
